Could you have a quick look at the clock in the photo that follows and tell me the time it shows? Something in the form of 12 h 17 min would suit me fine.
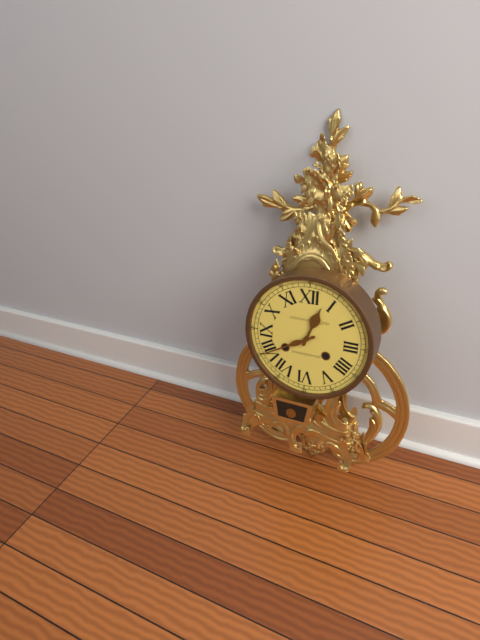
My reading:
12 h 40 min
